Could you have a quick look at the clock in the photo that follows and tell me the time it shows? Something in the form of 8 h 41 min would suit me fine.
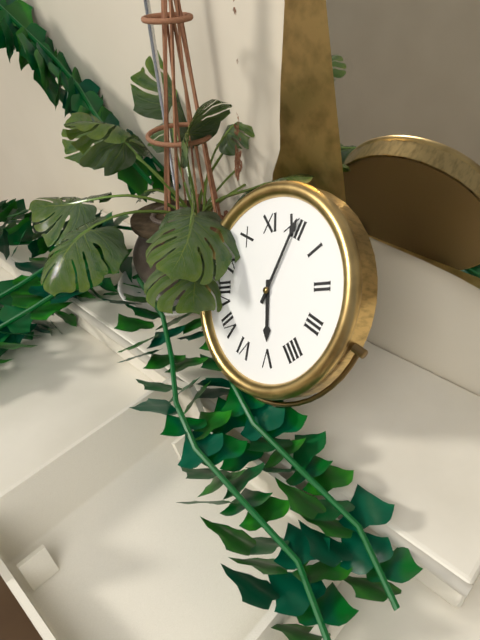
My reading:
5 h 00 min
